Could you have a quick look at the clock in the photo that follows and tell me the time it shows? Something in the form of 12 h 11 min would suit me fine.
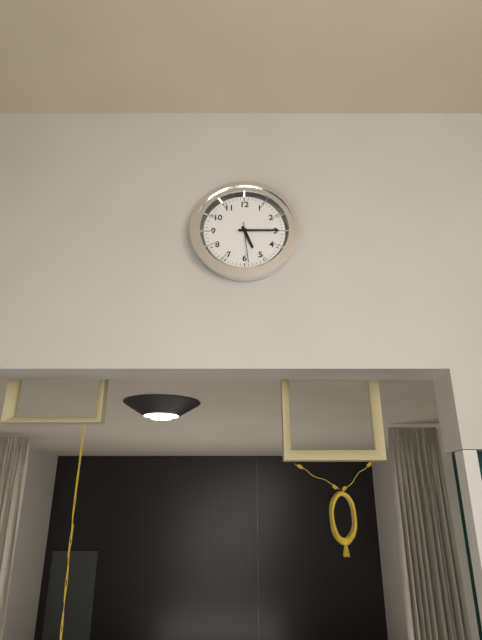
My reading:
5 h 15 min
